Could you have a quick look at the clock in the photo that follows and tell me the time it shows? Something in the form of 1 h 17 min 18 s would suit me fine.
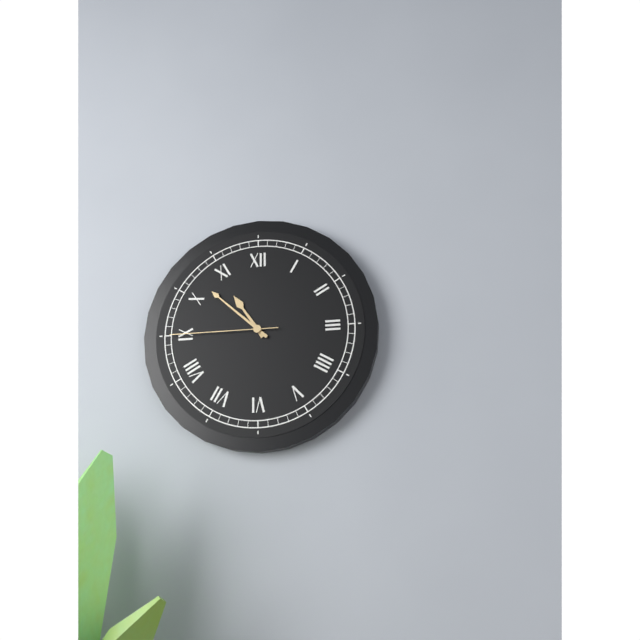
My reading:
10 h 52 min 45 s
